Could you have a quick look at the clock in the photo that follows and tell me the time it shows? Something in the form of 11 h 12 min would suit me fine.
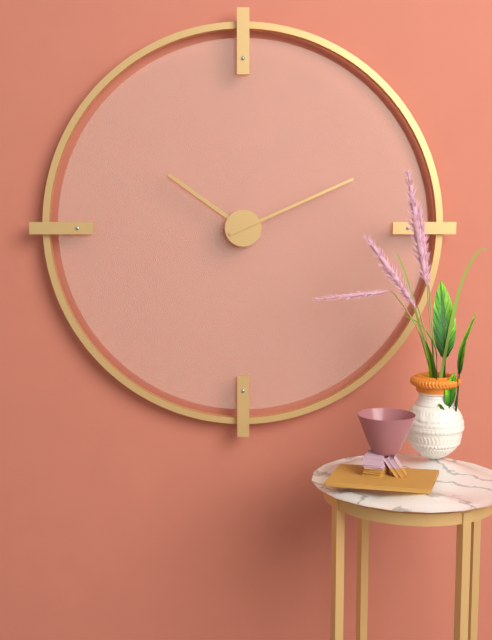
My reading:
10 h 11 min
